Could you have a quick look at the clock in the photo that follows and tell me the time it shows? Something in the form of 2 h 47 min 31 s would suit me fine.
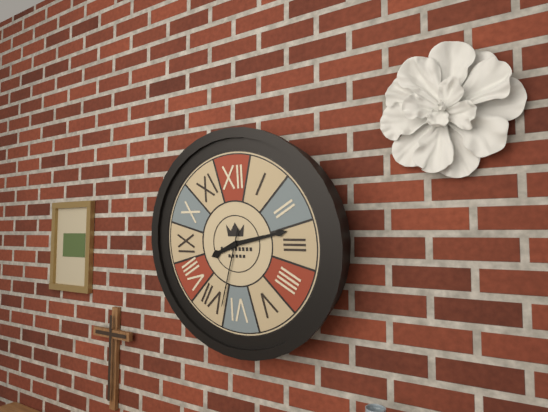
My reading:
8 h 13 min 33 s
